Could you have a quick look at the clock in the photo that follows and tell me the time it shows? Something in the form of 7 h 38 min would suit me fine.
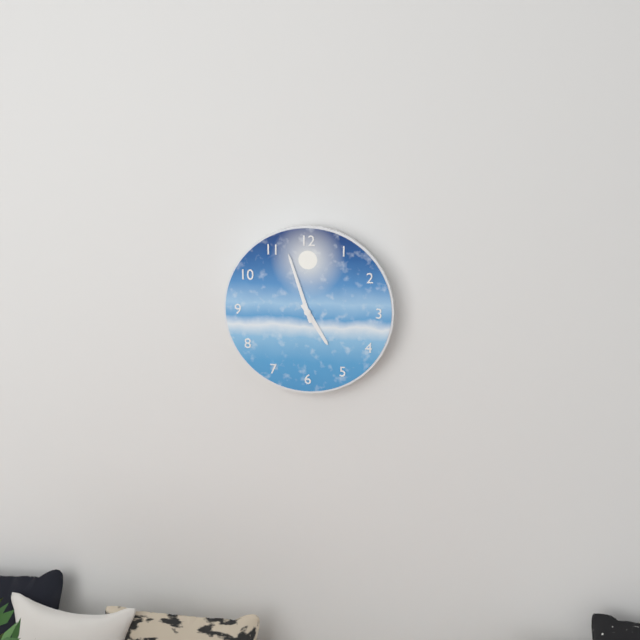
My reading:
4 h 57 min
